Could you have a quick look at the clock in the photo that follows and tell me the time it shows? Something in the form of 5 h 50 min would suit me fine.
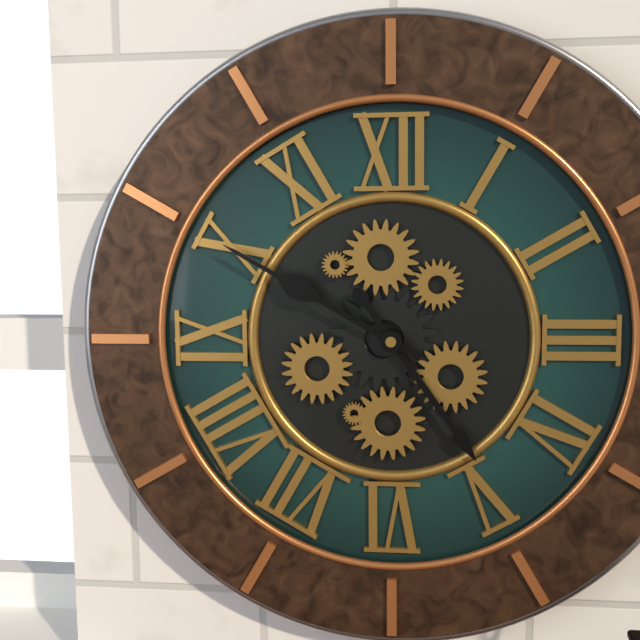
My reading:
4 h 50 min
